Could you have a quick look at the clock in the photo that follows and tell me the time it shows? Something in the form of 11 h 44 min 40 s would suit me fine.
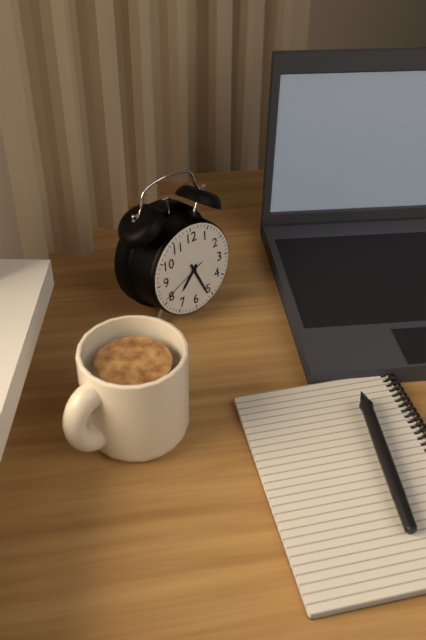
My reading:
7 h 26 min 41 s
